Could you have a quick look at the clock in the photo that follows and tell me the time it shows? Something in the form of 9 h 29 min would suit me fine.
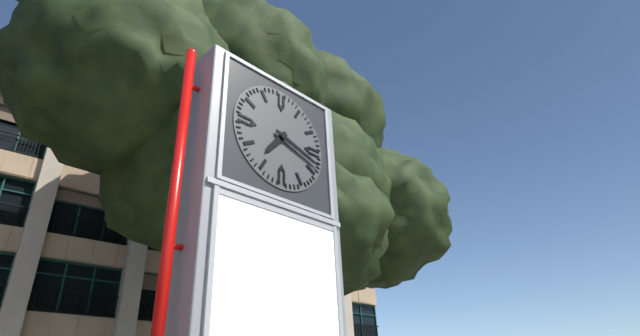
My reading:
7 h 18 min
